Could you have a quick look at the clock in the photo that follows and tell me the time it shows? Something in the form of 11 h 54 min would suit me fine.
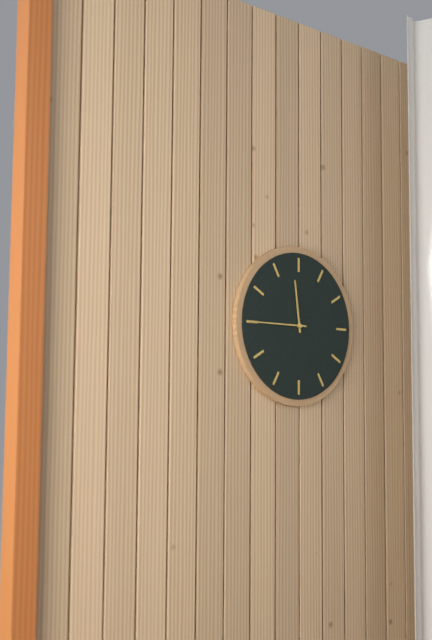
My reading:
11 h 45 min
